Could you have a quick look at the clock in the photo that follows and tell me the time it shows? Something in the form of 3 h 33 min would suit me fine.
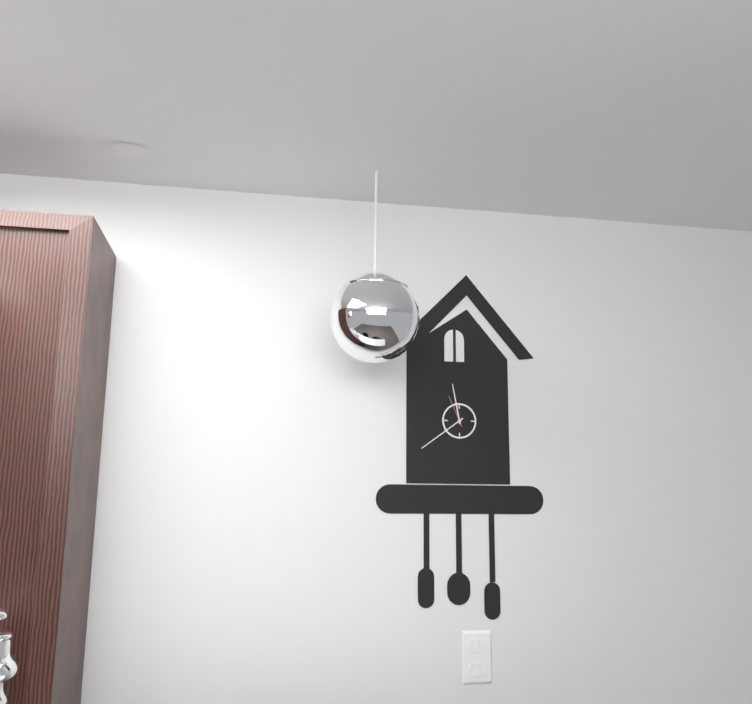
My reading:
11 h 39 min
